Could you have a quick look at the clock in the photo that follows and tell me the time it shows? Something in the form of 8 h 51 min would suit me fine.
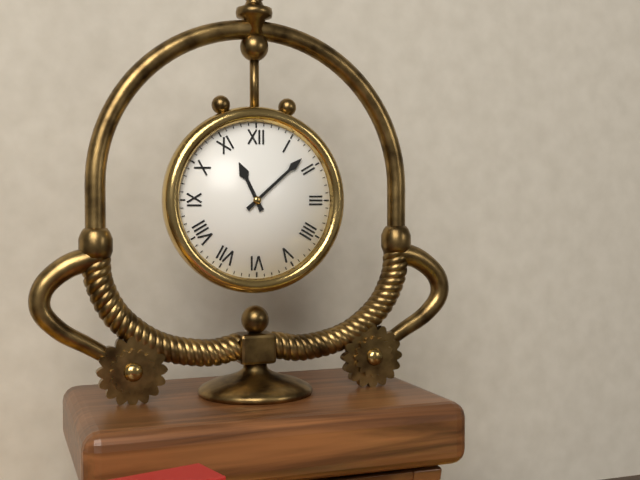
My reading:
11 h 08 min
